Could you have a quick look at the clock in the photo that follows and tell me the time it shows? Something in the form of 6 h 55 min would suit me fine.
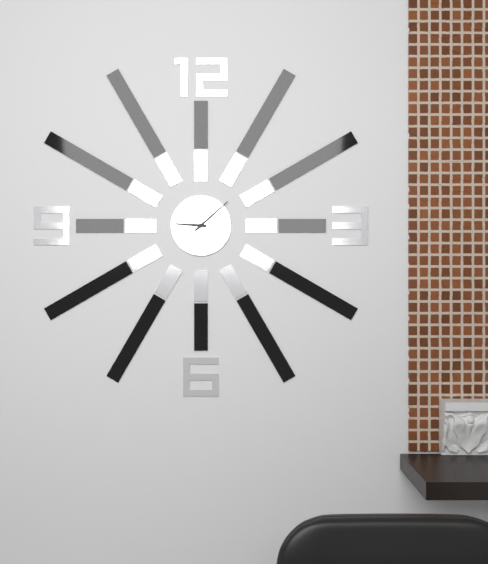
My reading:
9 h 08 min
